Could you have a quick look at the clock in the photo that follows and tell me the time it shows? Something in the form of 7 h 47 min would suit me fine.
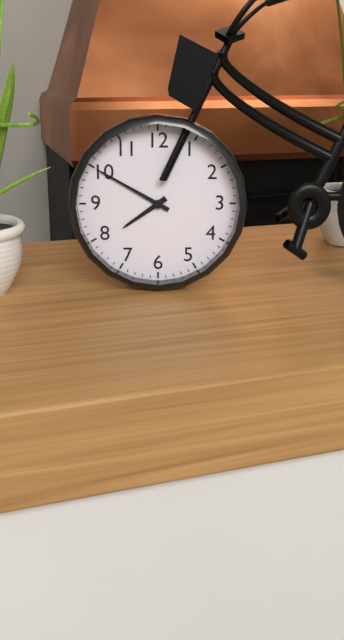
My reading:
7 h 50 min
